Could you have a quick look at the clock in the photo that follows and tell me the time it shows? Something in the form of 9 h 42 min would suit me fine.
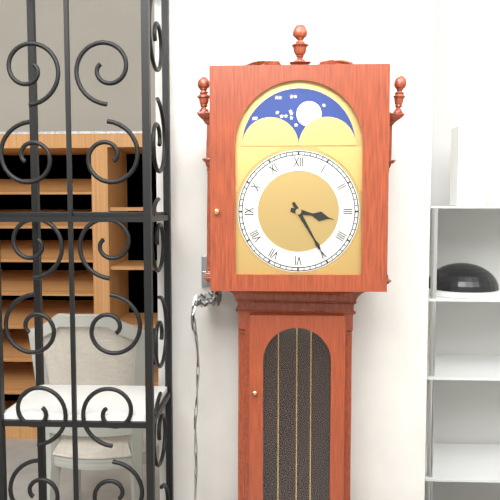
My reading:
3 h 25 min
